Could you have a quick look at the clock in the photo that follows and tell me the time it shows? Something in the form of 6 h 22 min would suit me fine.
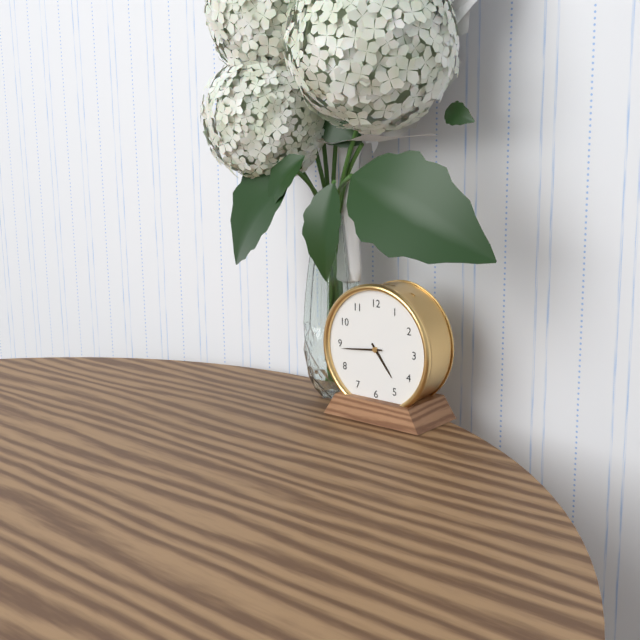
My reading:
4 h 44 min
